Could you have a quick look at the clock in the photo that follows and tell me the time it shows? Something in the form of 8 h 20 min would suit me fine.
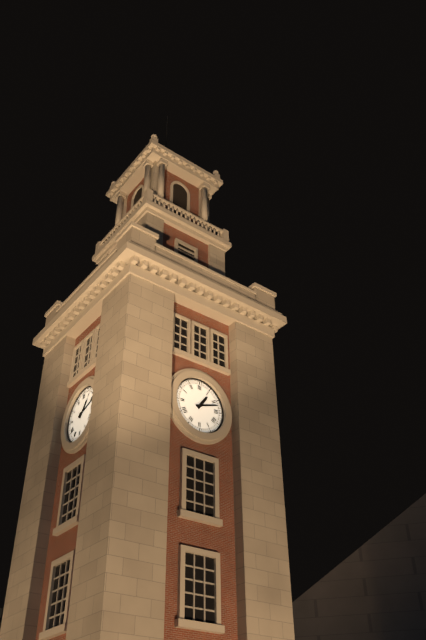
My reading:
1 h 12 min
